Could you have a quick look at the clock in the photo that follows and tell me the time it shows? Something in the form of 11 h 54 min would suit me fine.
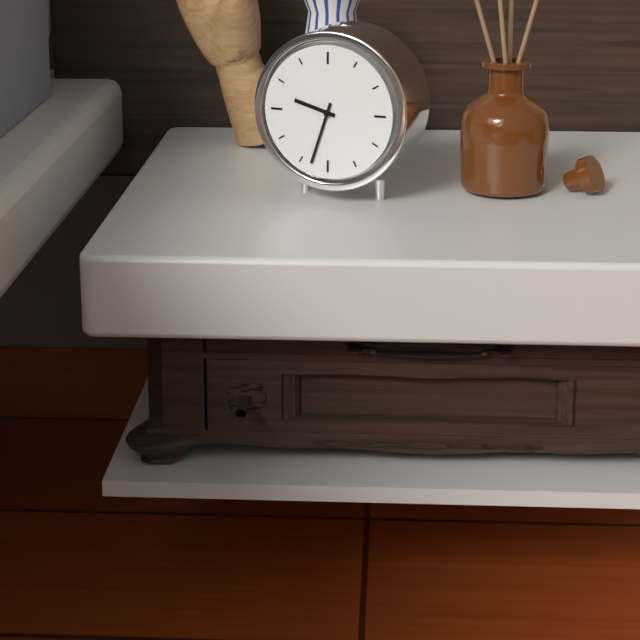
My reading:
9 h 33 min
